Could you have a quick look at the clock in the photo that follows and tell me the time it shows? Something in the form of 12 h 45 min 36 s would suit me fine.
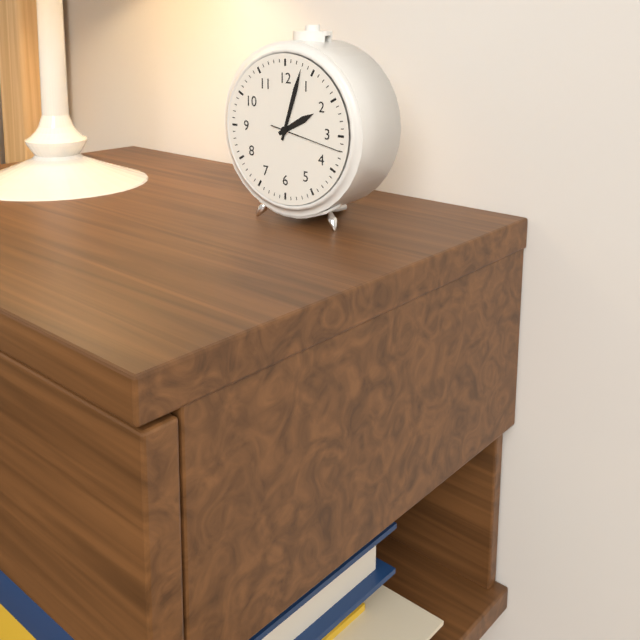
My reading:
2 h 03 min 17 s
